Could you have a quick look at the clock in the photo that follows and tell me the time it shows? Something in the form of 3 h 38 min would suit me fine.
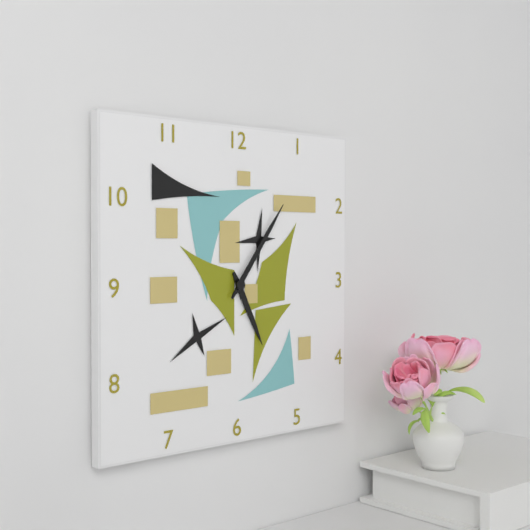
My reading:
5 h 06 min
